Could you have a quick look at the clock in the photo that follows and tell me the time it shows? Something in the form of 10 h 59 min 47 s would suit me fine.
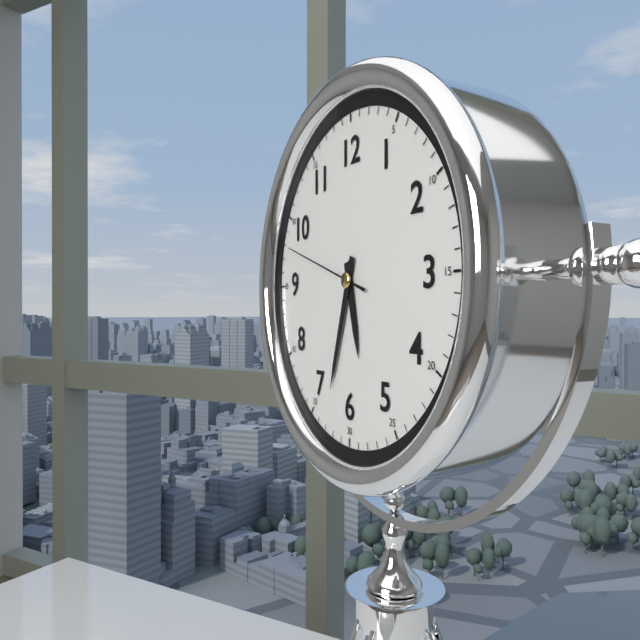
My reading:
5 h 33 min 48 s
